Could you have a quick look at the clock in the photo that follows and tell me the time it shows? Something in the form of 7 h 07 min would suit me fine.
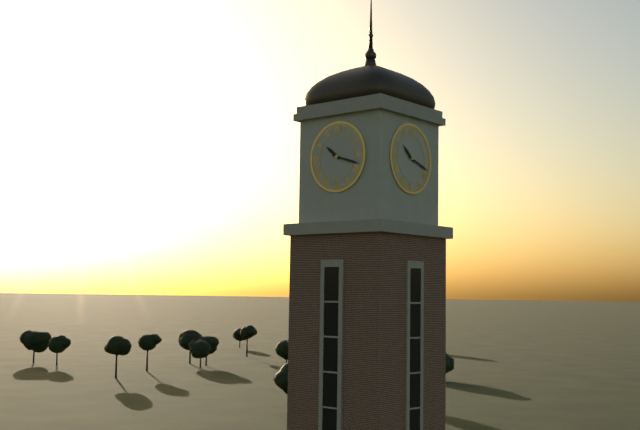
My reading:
10 h 18 min
